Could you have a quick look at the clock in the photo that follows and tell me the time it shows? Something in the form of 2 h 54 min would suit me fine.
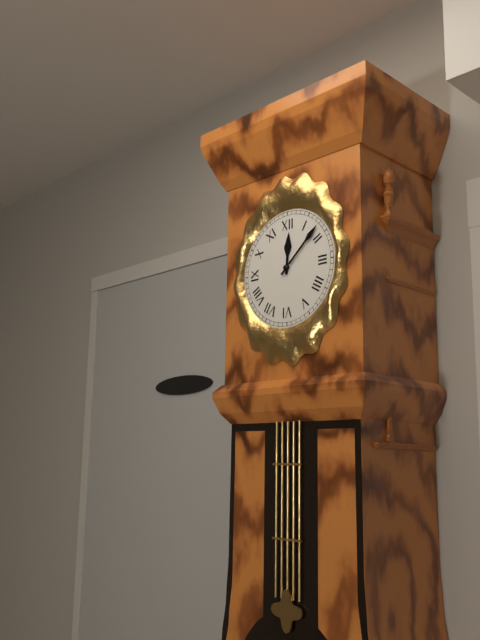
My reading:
12 h 08 min
